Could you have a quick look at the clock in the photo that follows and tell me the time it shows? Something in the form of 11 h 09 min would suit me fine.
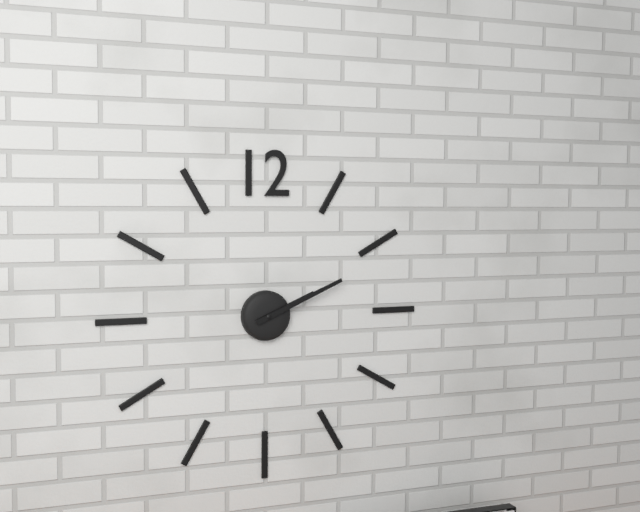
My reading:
2 h 11 min
